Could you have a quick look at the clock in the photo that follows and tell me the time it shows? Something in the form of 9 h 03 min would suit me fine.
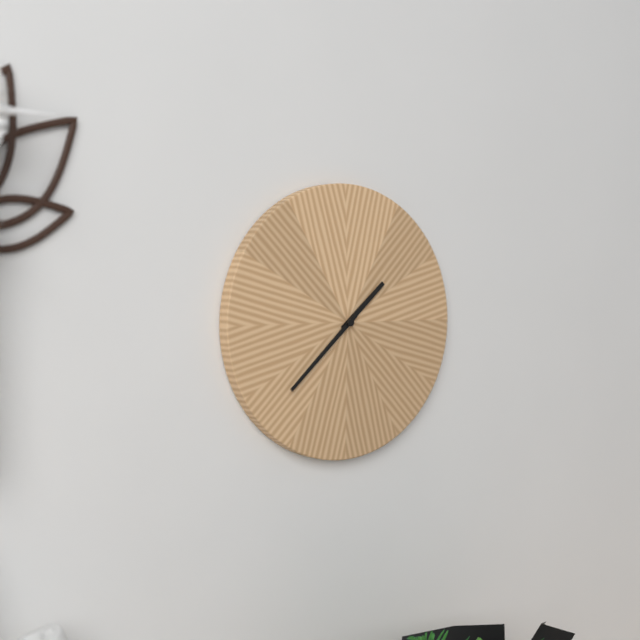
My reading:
1 h 38 min
